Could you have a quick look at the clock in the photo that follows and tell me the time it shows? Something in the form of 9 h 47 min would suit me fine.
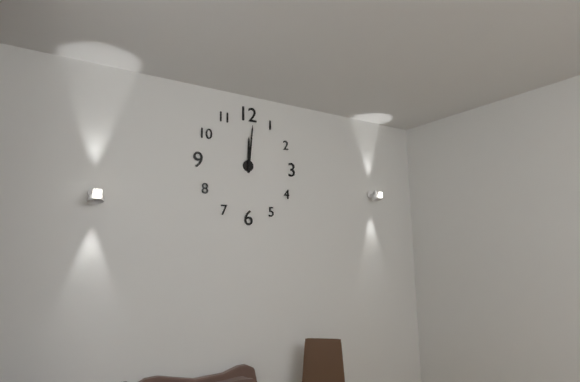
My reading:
12 h 01 min
